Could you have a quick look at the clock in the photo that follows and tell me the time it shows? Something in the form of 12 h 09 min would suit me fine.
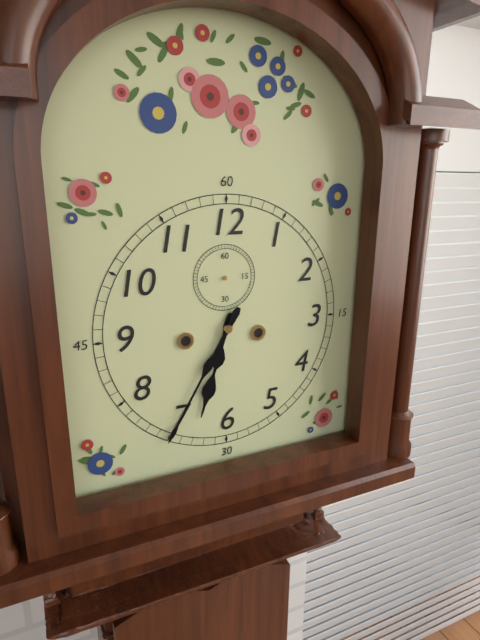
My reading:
6 h 35 min
